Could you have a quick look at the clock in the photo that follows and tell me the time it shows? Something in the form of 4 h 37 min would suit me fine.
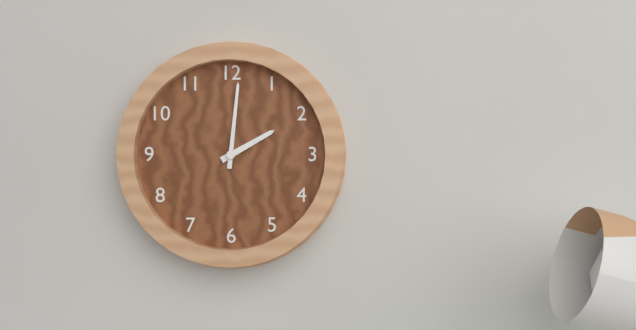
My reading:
2 h 01 min
